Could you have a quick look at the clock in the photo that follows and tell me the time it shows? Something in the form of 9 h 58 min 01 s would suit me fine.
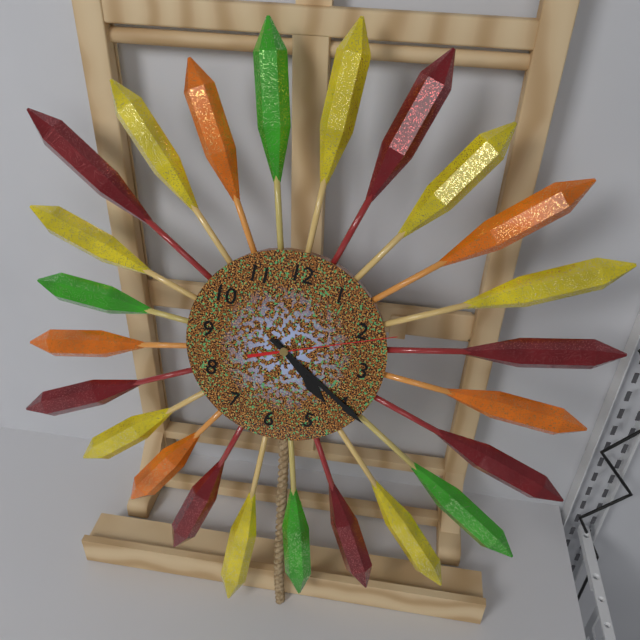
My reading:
4 h 20 min 11 s
